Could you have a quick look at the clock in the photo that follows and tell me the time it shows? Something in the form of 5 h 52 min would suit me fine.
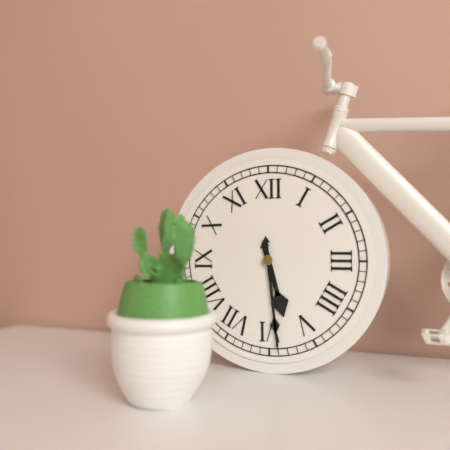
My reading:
5 h 29 min
